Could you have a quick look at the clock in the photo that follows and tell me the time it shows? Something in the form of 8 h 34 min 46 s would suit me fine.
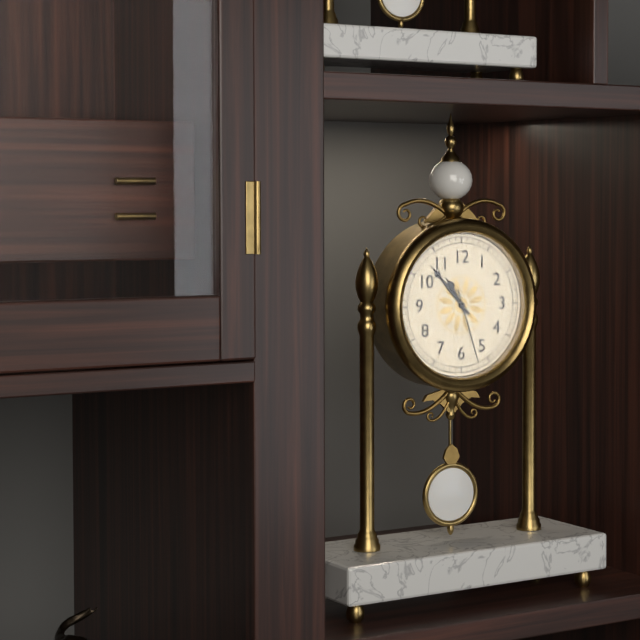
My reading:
10 h 53 min 27 s
